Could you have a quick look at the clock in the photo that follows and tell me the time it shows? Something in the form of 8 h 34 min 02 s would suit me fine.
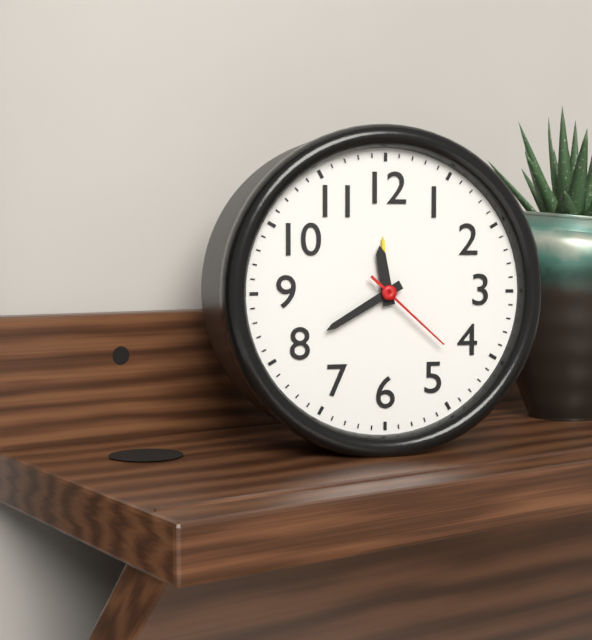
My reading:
11 h 40 min 22 s
